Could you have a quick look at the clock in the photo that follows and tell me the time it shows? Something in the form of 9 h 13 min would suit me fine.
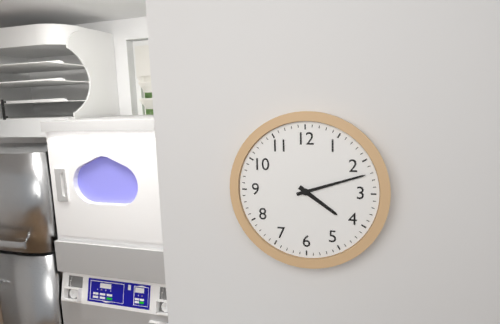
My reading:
4 h 12 min
